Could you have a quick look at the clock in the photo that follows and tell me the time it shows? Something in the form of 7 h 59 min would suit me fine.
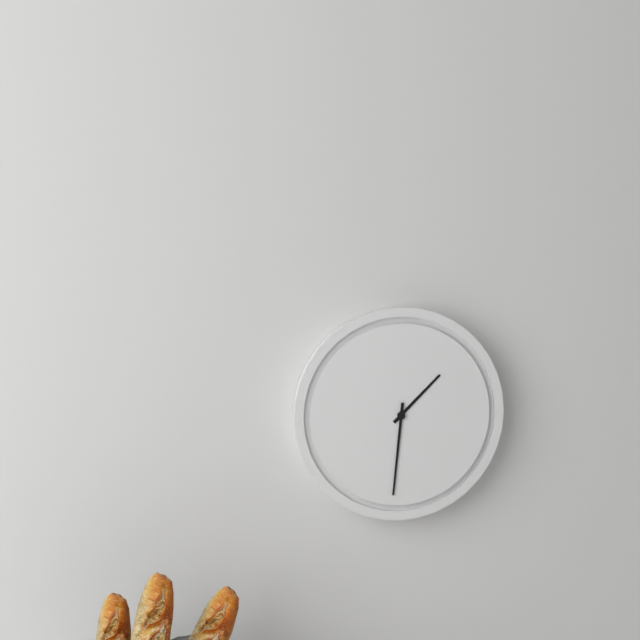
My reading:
1 h 31 min
